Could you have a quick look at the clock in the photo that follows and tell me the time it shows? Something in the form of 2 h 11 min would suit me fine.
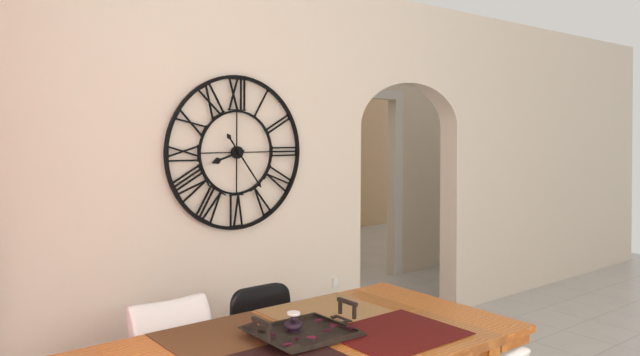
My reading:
8 h 24 min
